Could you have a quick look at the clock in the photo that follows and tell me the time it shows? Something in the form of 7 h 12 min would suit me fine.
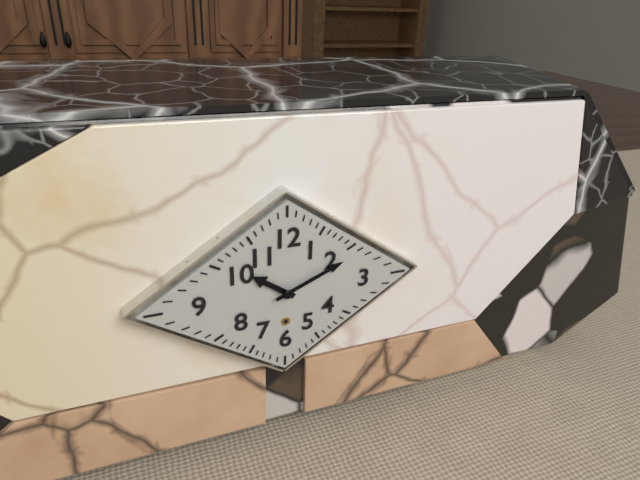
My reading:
10 h 11 min
